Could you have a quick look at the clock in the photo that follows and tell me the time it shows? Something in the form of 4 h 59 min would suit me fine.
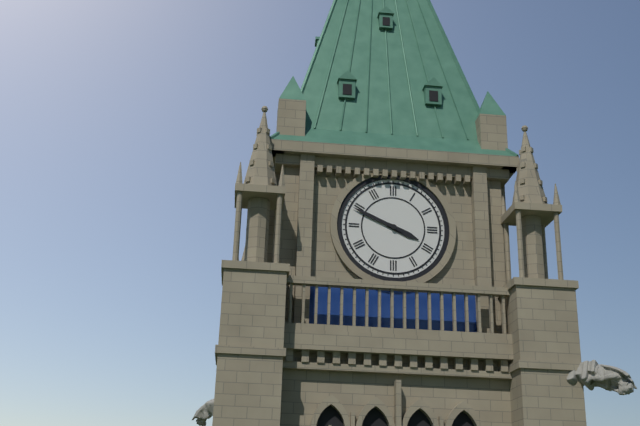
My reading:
3 h 49 min
